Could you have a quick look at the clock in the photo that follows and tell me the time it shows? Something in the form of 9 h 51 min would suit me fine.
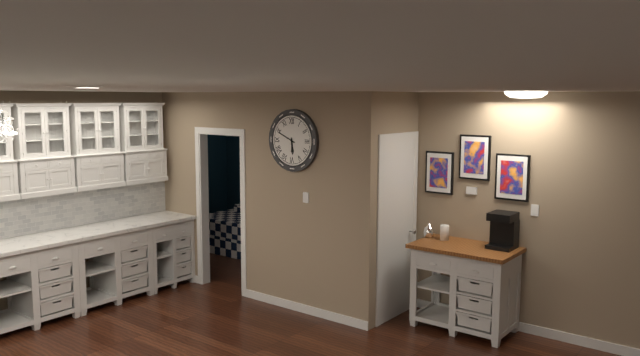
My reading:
5 h 49 min
